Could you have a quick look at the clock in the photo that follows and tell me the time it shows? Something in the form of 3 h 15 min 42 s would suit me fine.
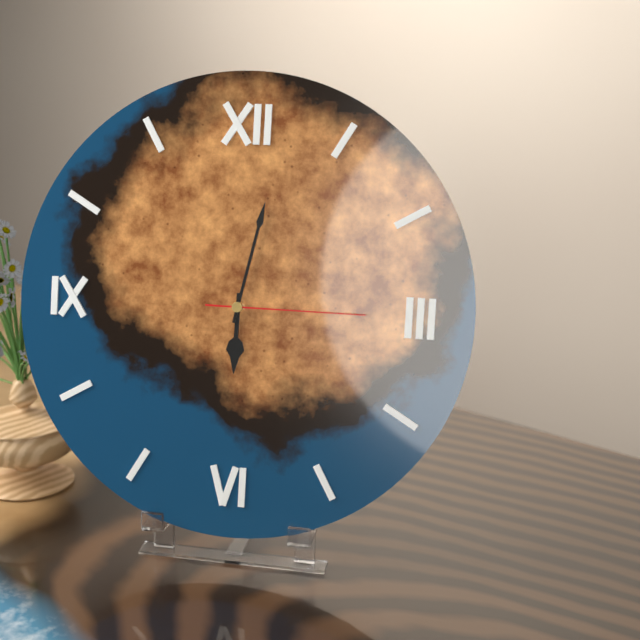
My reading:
6 h 02 min 15 s
